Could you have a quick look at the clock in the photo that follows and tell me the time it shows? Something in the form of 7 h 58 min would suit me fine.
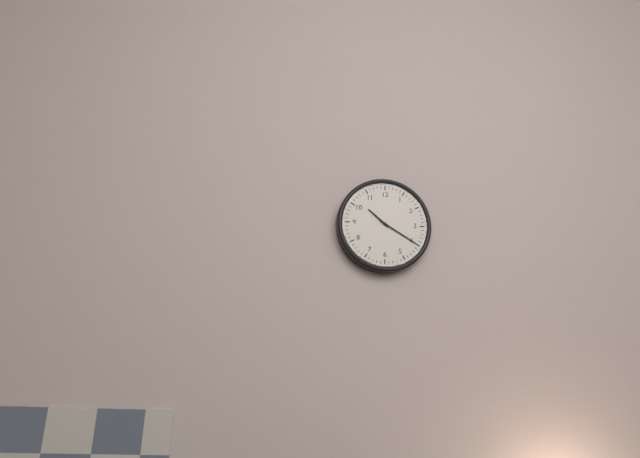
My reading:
10 h 20 min
